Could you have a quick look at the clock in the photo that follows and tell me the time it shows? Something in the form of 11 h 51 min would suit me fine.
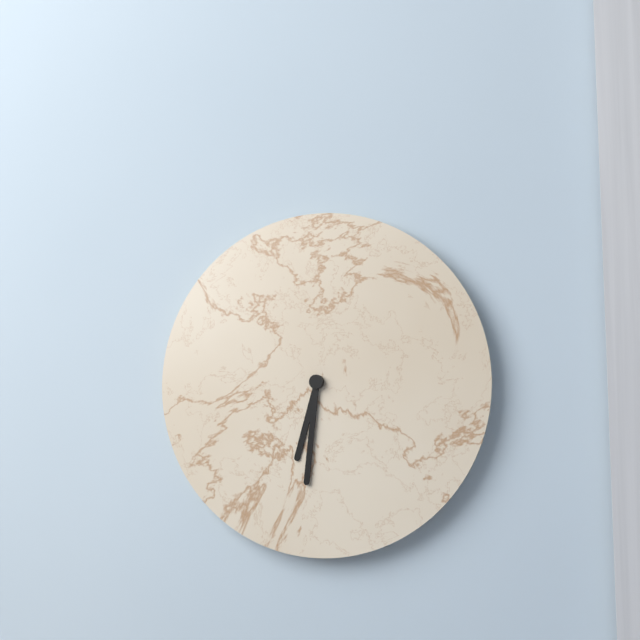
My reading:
6 h 31 min
